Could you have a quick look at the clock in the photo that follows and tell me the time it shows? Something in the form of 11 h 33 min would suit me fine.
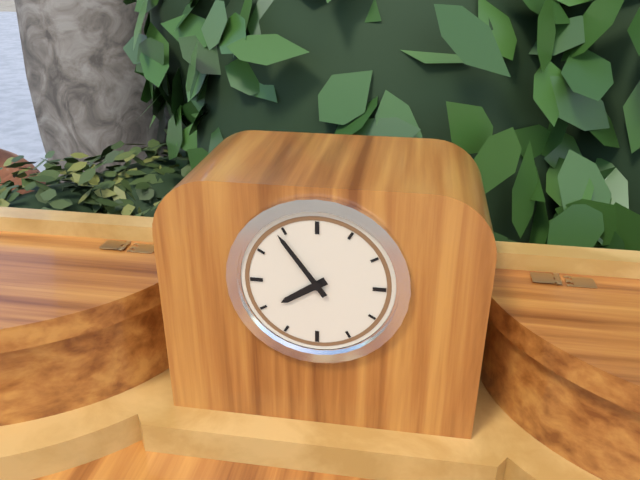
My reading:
7 h 54 min
